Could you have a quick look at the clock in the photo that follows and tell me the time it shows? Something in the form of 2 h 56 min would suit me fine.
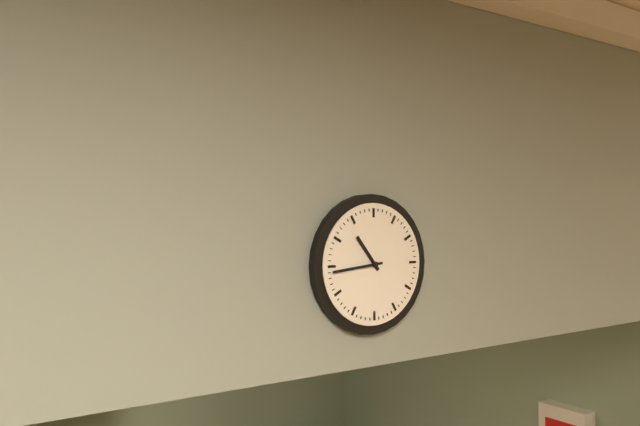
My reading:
10 h 44 min
